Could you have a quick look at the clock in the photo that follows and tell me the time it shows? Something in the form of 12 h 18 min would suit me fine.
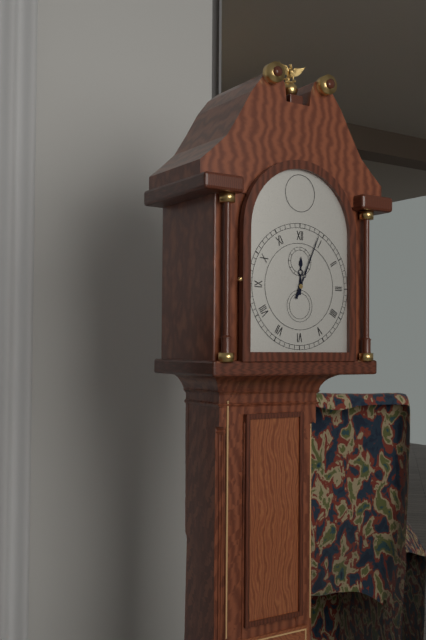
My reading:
12 h 04 min
